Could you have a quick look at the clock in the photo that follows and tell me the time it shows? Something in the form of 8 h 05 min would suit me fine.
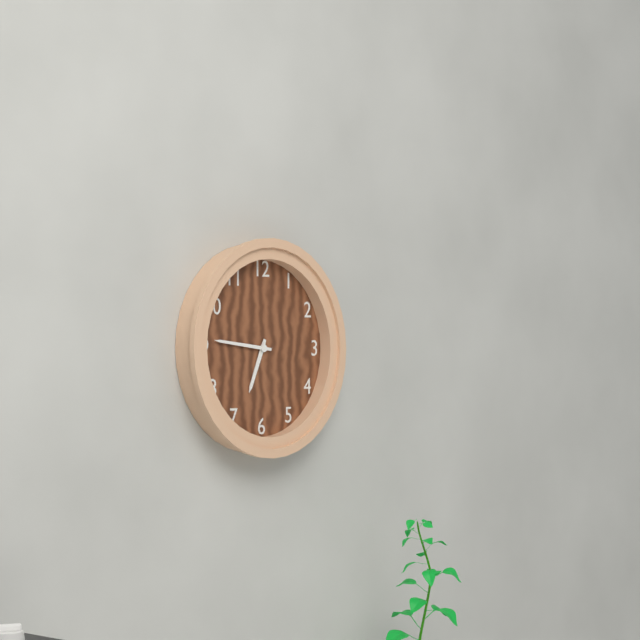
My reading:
6 h 46 min
